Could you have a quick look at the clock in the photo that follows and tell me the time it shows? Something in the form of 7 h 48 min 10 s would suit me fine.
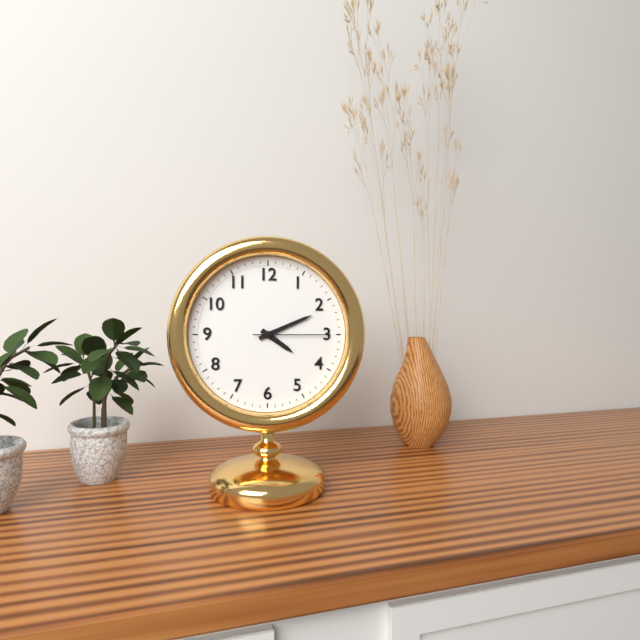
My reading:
4 h 11 min 15 s
